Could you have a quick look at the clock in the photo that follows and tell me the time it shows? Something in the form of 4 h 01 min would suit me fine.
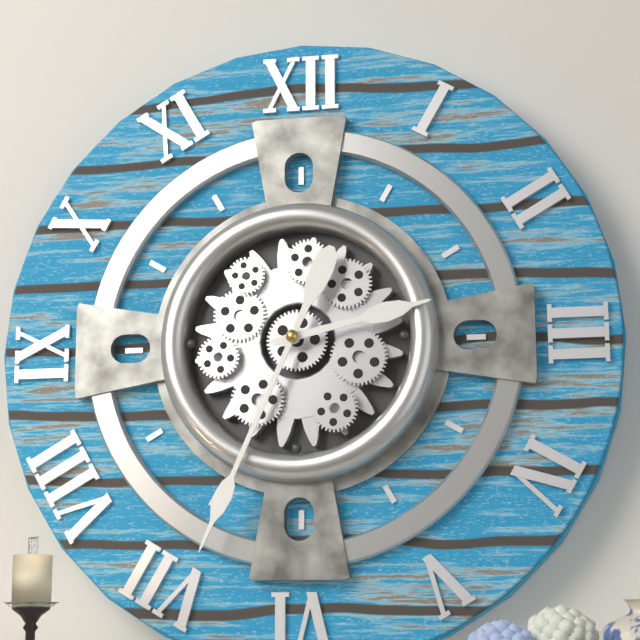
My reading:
2 h 34 min
